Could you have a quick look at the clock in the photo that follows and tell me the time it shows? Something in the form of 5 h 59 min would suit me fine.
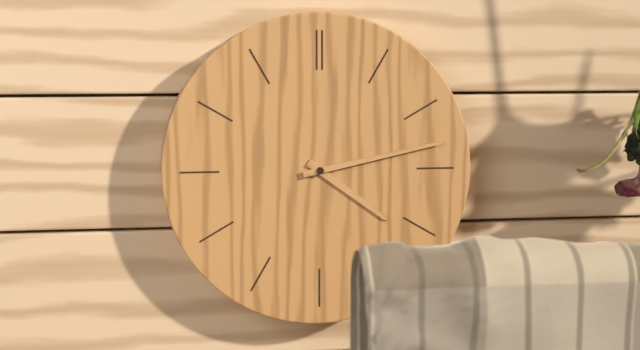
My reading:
4 h 13 min
